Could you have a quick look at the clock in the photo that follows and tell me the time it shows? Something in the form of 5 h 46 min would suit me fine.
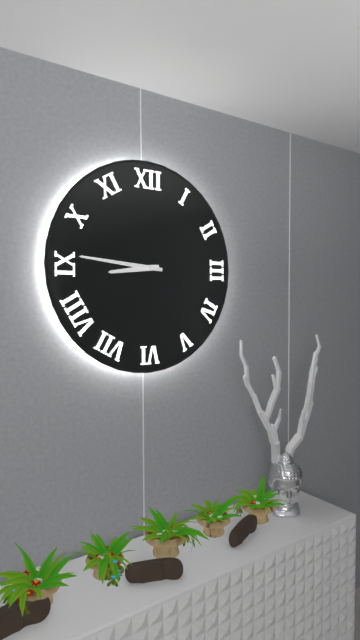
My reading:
8 h 46 min
